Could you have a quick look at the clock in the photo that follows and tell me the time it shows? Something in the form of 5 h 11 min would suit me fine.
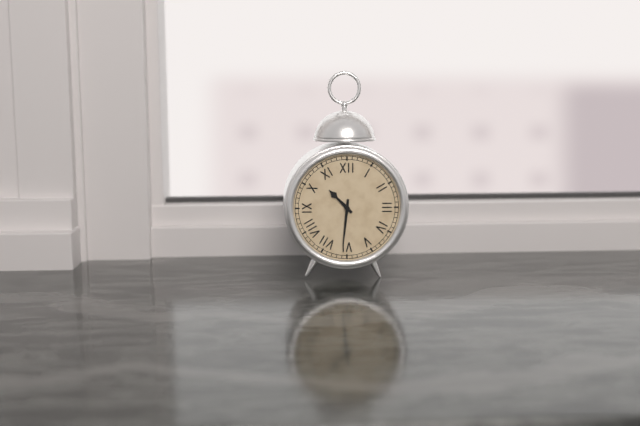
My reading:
10 h 31 min
